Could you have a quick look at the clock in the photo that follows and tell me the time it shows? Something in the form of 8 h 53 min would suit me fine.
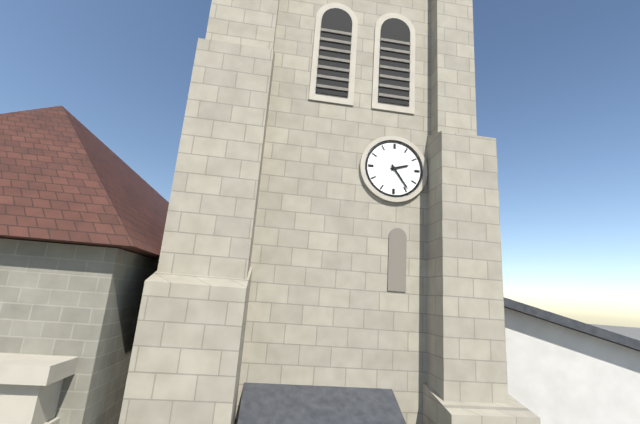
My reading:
2 h 24 min
